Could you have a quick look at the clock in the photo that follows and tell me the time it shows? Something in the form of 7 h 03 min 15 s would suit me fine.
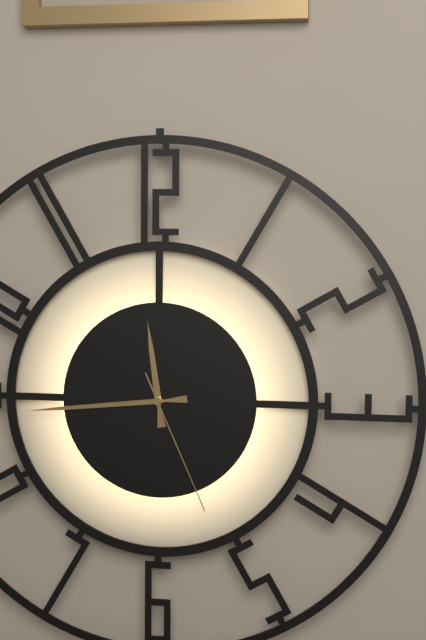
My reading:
11 h 44 min 26 s
